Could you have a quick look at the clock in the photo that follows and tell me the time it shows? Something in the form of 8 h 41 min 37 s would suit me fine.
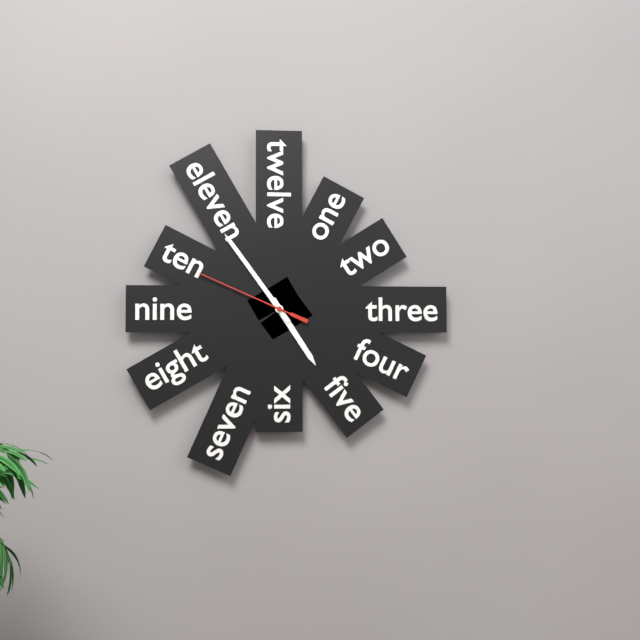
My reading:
4 h 54 min 49 s
